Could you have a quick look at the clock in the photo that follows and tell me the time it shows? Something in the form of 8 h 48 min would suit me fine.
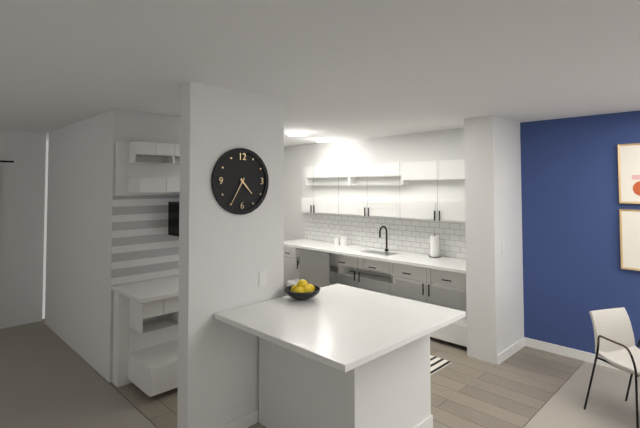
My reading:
4 h 35 min
